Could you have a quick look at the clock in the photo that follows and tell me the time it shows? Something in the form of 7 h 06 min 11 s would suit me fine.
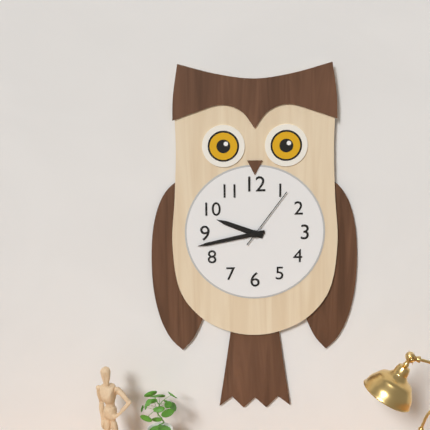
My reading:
9 h 43 min 06 s
